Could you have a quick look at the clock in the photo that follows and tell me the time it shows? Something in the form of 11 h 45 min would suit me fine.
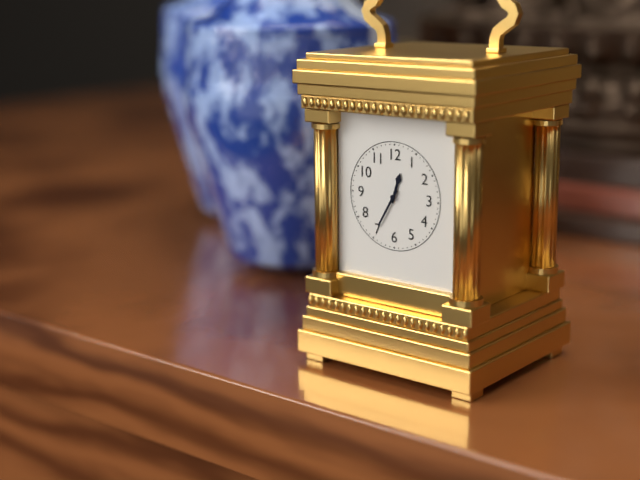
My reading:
12 h 35 min
